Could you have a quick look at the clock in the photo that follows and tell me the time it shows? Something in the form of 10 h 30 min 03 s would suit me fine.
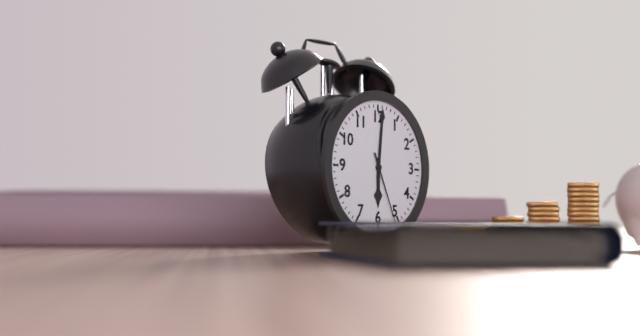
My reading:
6 h 01 min 26 s
